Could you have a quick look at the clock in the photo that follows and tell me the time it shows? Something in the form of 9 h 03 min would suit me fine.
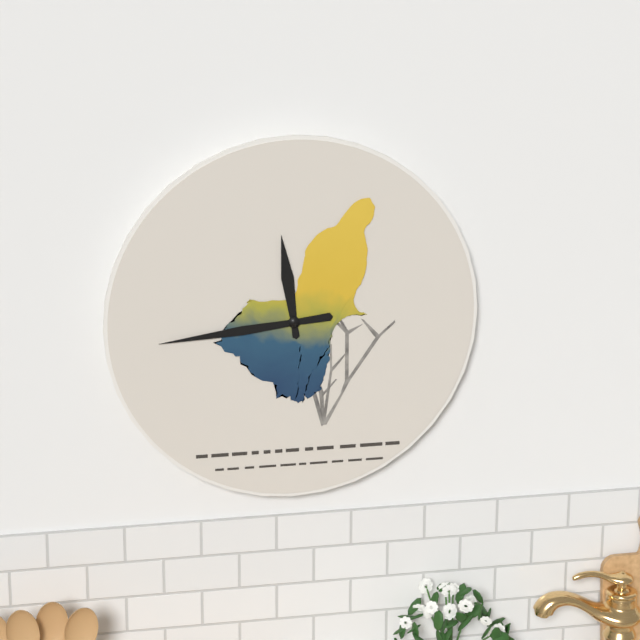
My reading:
11 h 44 min
